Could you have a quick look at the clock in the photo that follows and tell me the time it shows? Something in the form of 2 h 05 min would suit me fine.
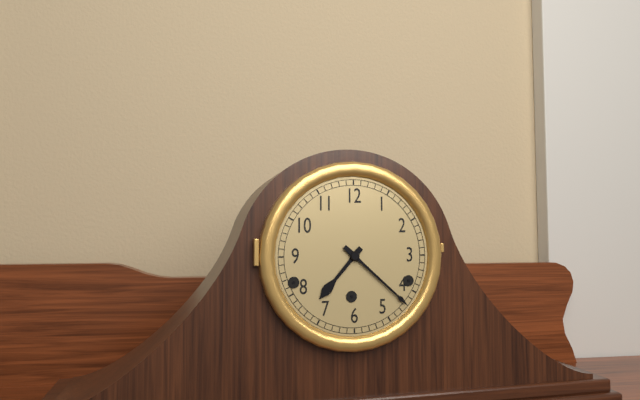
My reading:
7 h 22 min
